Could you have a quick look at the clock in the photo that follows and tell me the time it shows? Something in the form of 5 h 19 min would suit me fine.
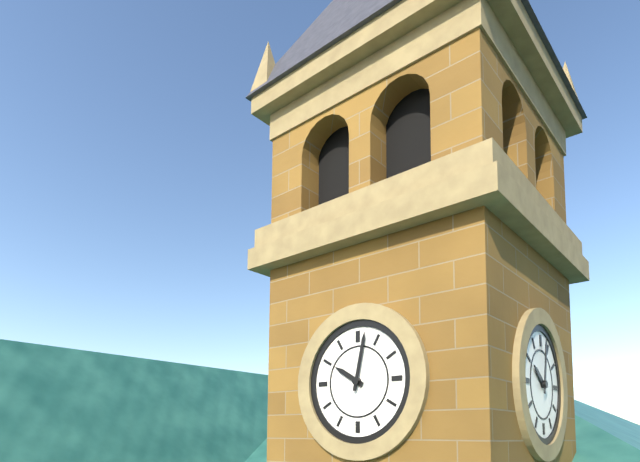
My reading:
10 h 02 min
